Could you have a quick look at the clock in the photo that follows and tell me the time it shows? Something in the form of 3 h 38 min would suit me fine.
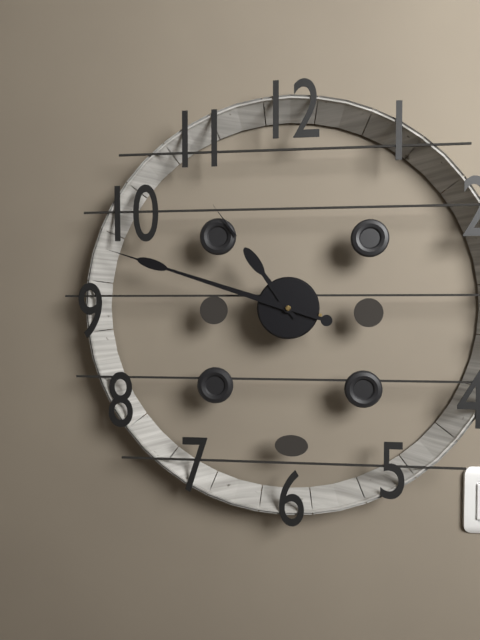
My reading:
10 h 48 min
